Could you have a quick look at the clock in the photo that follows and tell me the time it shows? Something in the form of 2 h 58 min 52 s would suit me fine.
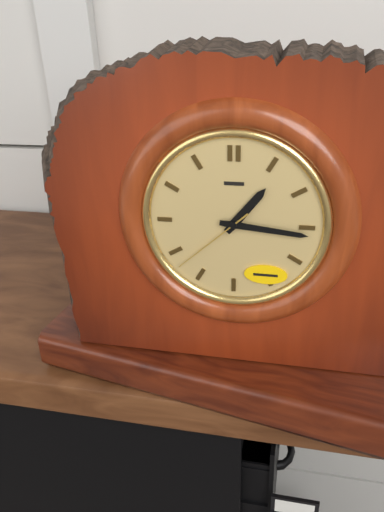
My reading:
1 h 16 min 38 s
